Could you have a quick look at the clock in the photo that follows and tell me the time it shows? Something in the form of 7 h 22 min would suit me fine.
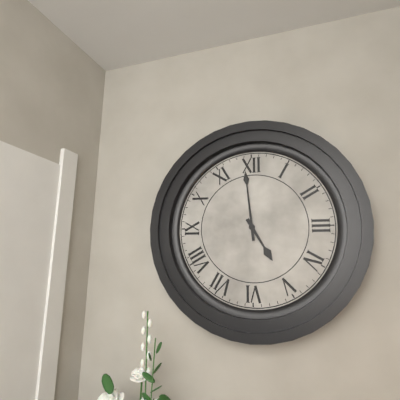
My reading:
4 h 59 min
